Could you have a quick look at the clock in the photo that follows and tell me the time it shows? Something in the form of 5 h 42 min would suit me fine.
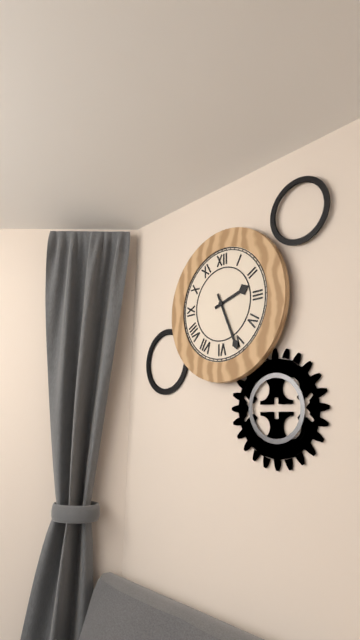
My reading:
2 h 26 min
